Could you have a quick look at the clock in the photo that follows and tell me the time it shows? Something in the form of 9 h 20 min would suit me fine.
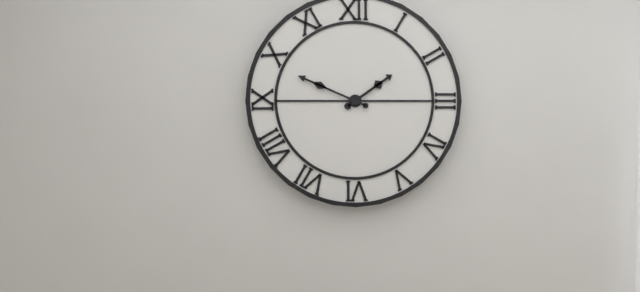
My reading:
1 h 49 min
